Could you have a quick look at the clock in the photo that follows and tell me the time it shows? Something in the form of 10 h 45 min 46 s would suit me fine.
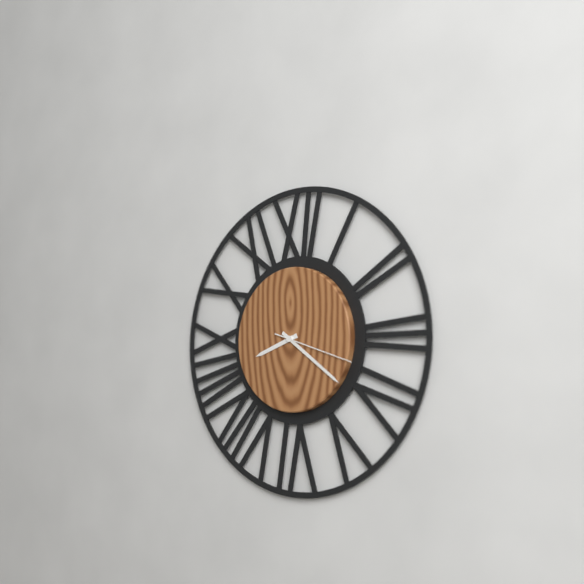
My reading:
8 h 21 min 18 s
